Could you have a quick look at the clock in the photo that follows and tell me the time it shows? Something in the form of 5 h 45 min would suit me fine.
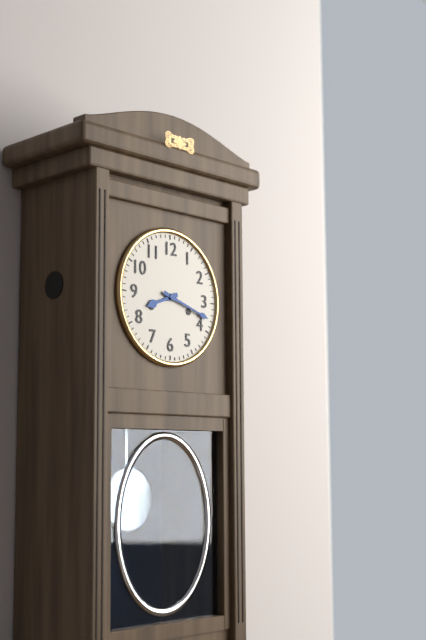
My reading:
8 h 18 min
